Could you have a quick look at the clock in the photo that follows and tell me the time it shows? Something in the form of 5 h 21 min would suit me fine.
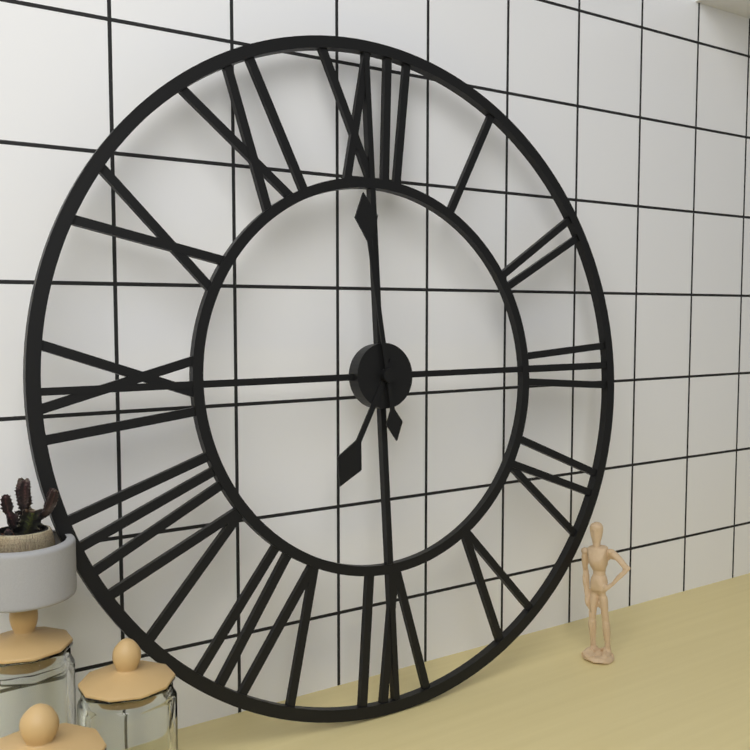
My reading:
6 h 59 min
